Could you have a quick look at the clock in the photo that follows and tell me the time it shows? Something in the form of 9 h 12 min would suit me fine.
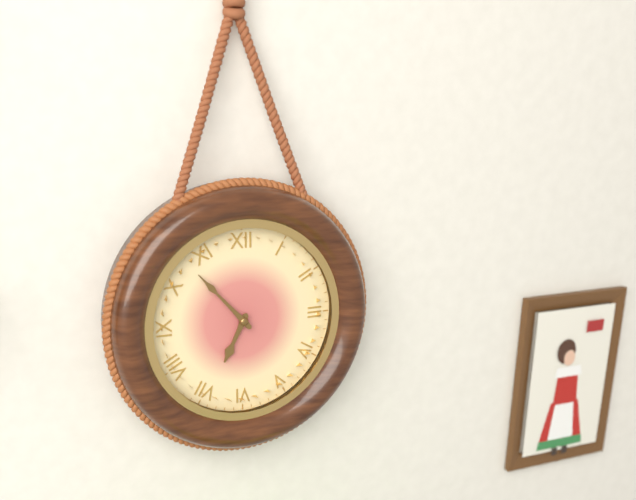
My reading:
6 h 53 min
